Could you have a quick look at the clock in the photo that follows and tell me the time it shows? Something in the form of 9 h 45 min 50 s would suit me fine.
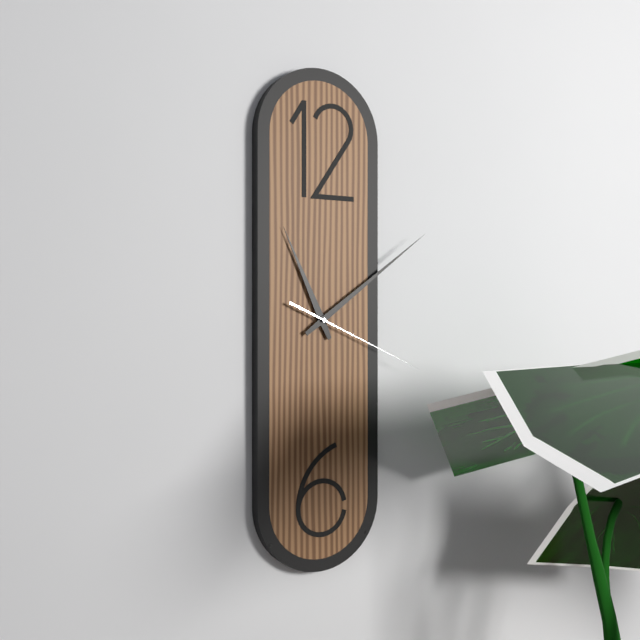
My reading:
11 h 09 min 19 s
